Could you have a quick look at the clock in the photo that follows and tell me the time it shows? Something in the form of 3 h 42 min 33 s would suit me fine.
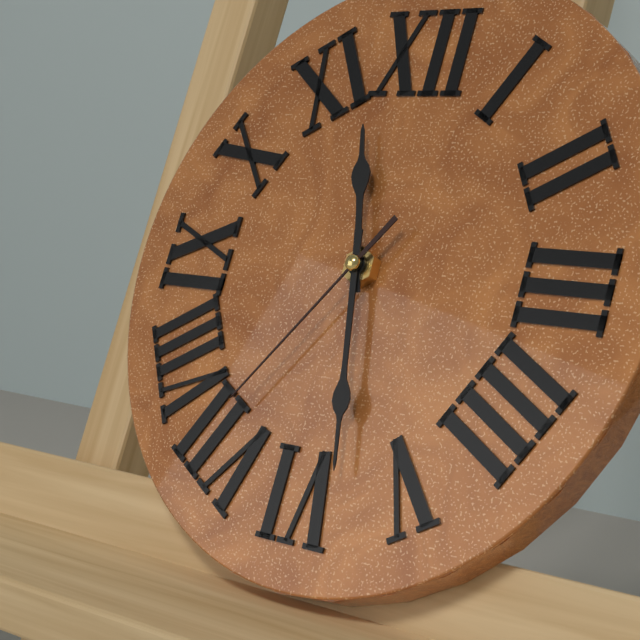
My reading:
11 h 28 min 36 s
